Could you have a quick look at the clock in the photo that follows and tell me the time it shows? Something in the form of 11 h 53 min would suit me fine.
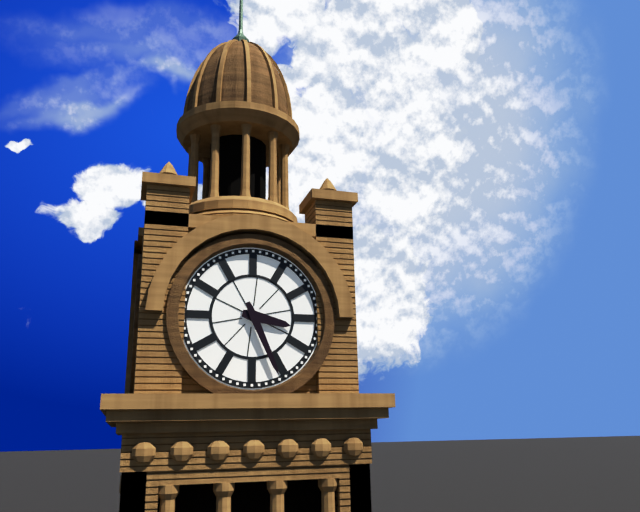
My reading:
3 h 26 min
